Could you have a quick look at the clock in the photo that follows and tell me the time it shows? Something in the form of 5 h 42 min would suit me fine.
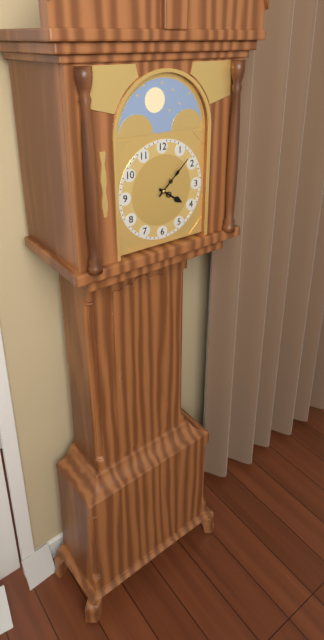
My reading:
4 h 08 min
